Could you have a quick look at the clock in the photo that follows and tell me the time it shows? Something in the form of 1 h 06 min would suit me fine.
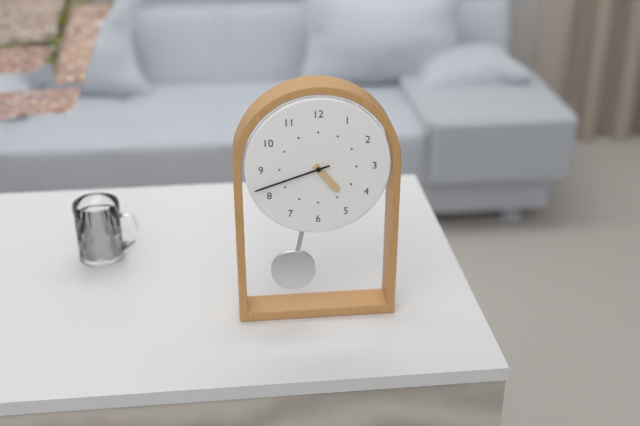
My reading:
4 h 42 min
